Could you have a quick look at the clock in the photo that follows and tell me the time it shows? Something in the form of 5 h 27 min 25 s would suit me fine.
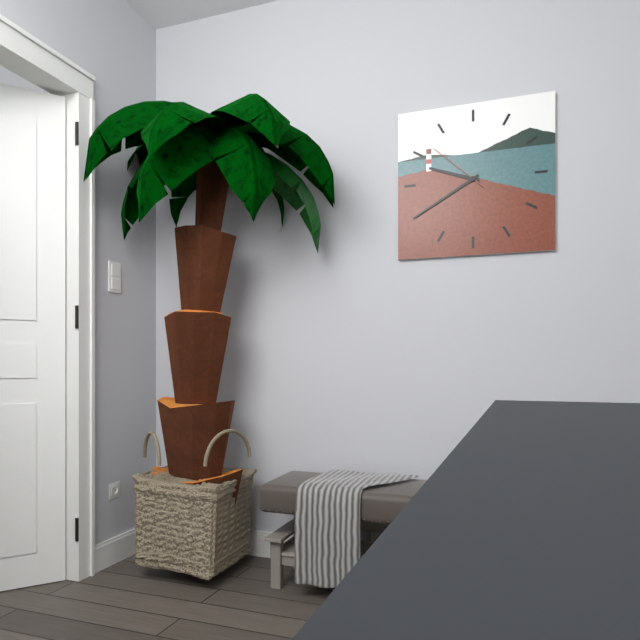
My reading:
9 h 40 min 52 s
